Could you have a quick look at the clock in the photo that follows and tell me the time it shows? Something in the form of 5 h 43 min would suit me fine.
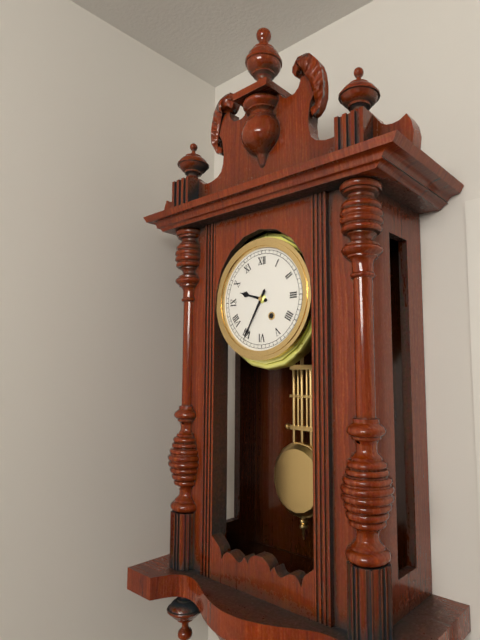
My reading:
9 h 35 min
